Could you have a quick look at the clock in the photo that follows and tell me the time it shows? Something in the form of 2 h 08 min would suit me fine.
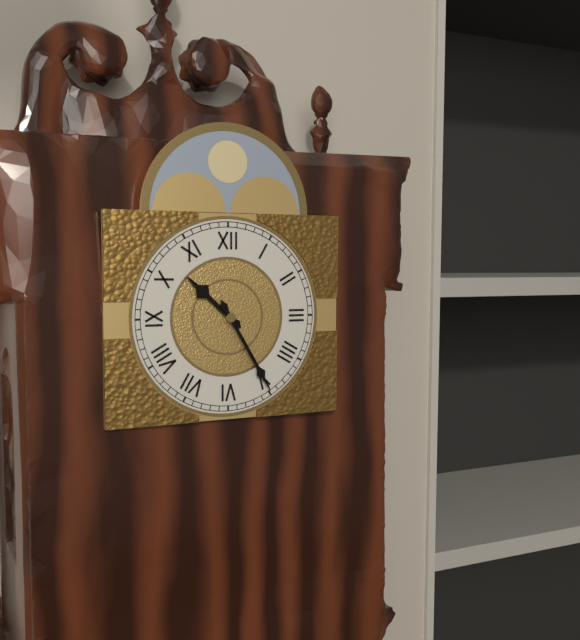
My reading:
10 h 25 min
